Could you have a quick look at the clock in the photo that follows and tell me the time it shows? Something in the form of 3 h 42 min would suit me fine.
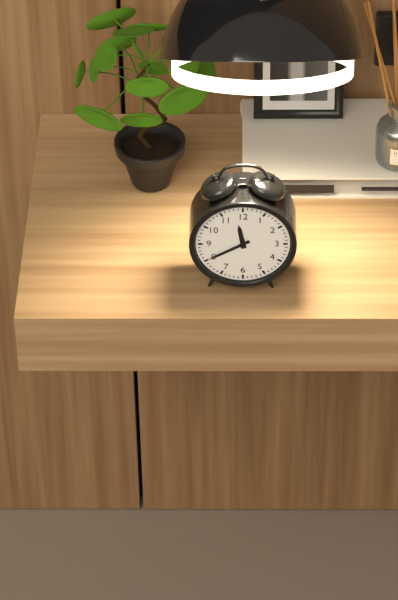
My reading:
11 h 40 min
